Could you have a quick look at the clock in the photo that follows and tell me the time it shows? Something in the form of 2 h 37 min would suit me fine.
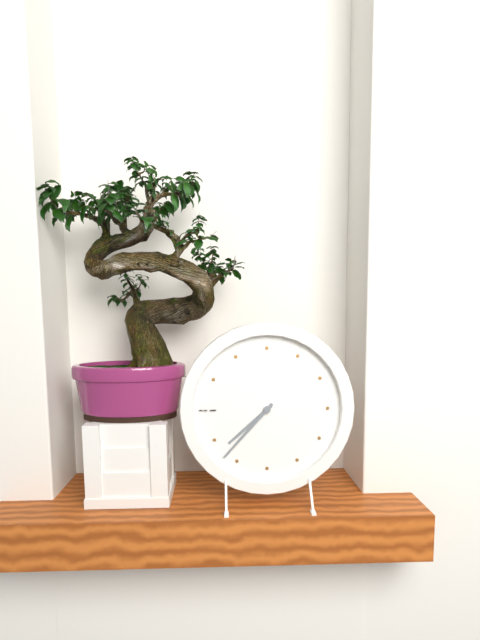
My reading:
7 h 37 min
